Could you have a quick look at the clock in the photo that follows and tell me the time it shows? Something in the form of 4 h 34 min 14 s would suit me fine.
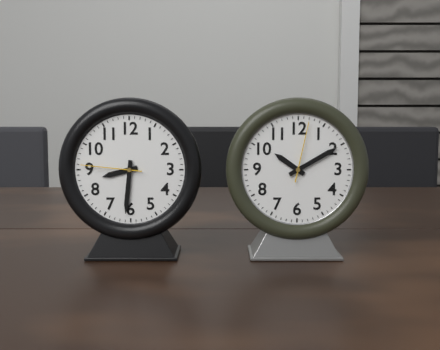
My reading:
8 h 31 min 46 s
